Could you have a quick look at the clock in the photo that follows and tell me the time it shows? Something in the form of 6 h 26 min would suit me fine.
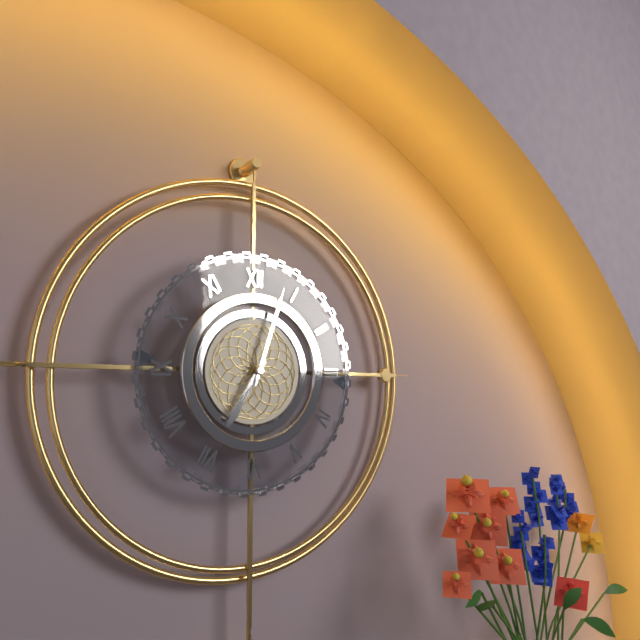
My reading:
7 h 03 min
